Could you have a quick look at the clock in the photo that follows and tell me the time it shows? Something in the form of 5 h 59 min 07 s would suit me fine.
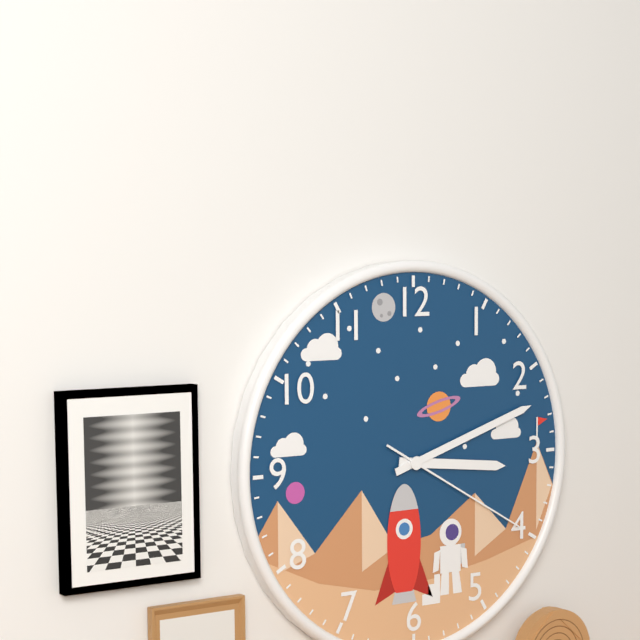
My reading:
3 h 12 min 20 s
